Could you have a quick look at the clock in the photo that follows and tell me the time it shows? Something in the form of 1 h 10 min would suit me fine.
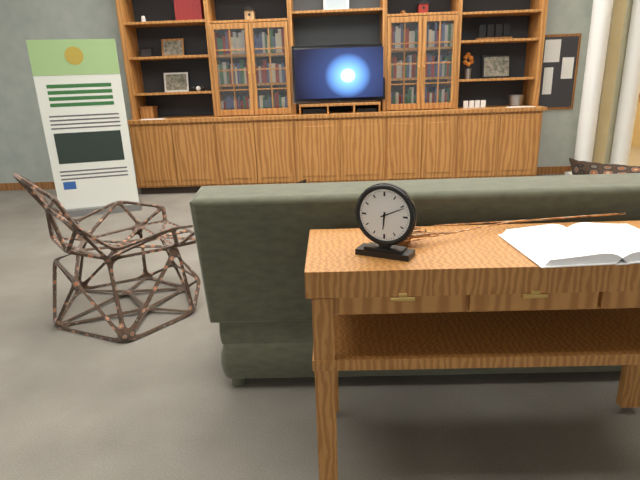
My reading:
6 h 11 min
